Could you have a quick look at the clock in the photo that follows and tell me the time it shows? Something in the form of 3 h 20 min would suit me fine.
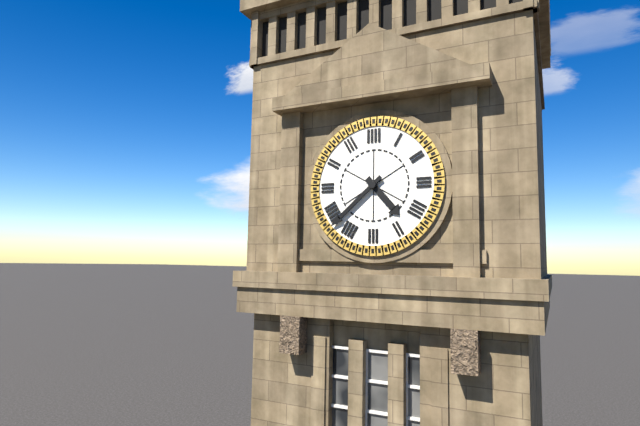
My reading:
4 h 38 min
